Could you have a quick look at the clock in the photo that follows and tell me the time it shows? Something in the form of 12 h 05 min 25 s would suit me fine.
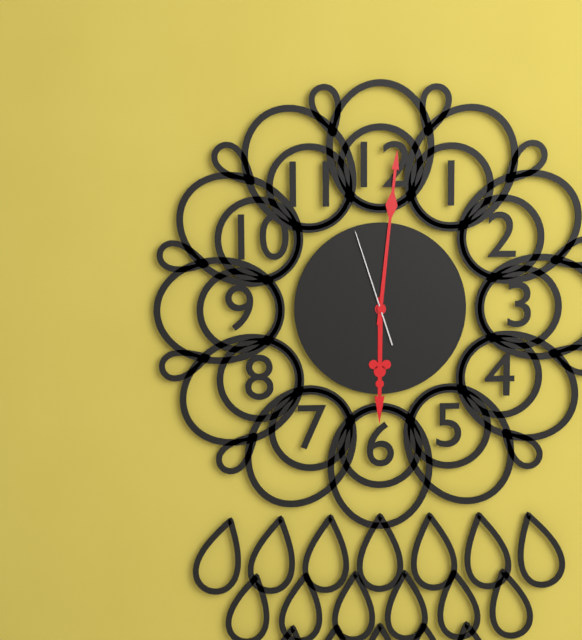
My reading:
6 h 01 min 57 s
